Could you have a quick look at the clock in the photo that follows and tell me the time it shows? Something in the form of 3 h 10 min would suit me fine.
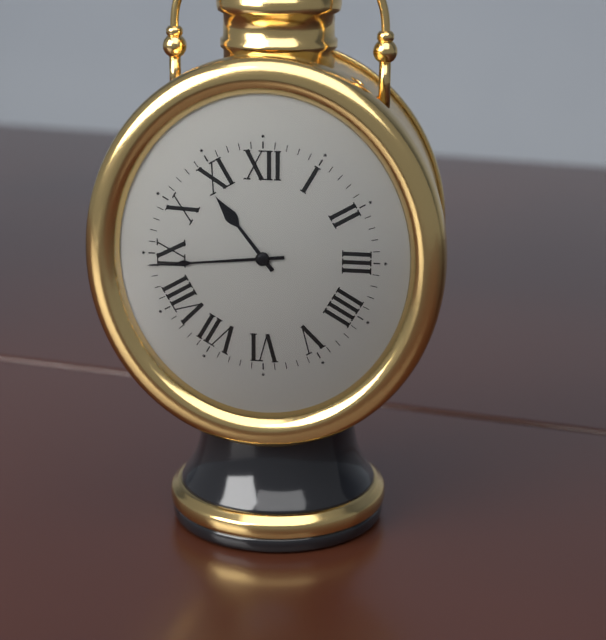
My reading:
10 h 44 min
